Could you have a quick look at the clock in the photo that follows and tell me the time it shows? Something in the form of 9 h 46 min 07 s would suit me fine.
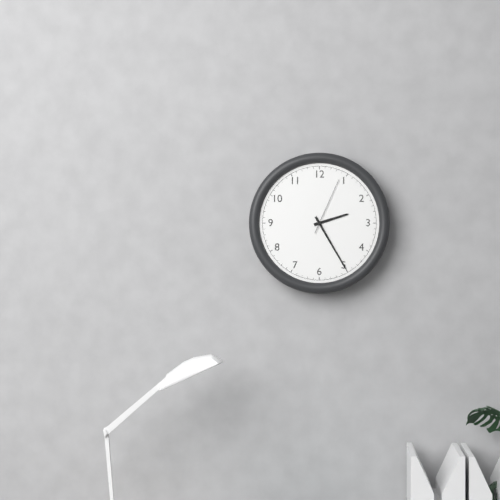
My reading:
2 h 25 min 04 s
